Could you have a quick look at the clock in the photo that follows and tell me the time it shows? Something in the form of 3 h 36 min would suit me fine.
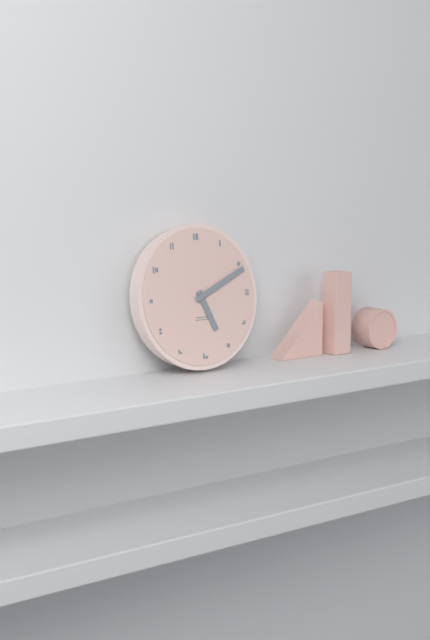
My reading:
5 h 11 min
